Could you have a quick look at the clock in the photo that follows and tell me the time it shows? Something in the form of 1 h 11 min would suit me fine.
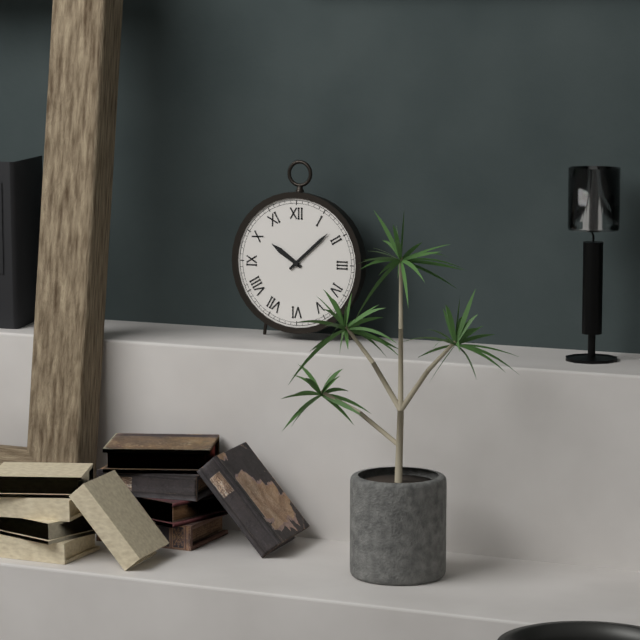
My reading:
10 h 08 min
